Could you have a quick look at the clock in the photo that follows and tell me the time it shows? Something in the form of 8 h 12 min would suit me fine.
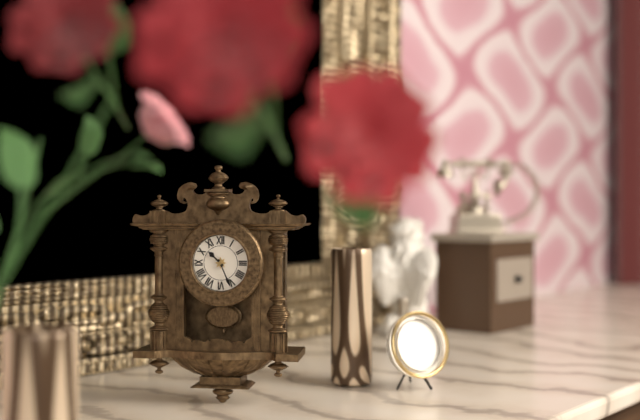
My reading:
10 h 26 min
